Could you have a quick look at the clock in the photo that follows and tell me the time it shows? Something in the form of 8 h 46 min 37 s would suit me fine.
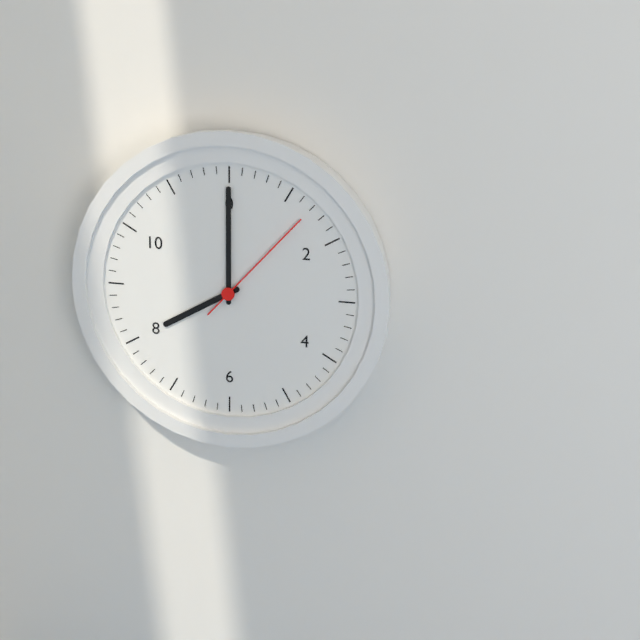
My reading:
8 h 00 min 07 s
